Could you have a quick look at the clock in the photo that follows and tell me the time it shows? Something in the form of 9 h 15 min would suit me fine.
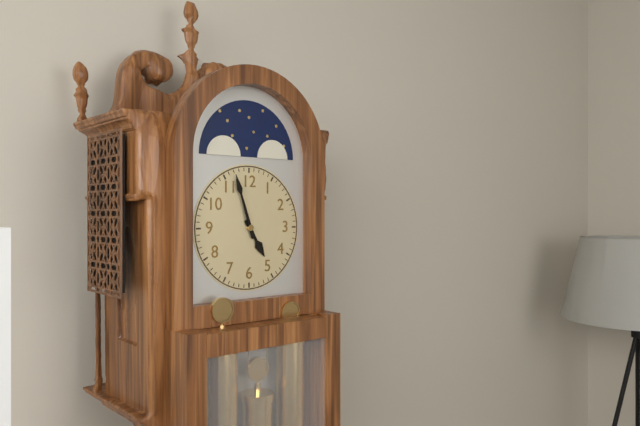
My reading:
4 h 57 min
